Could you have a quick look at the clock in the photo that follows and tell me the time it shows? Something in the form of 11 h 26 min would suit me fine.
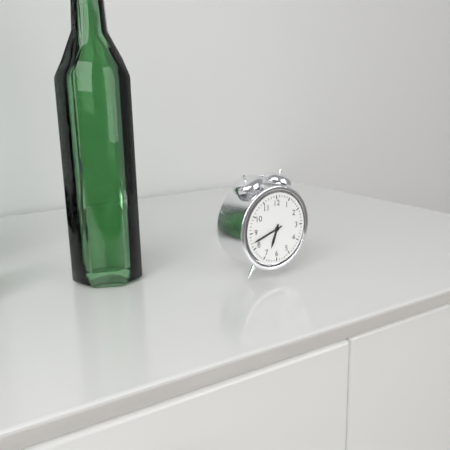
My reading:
6 h 42 min
